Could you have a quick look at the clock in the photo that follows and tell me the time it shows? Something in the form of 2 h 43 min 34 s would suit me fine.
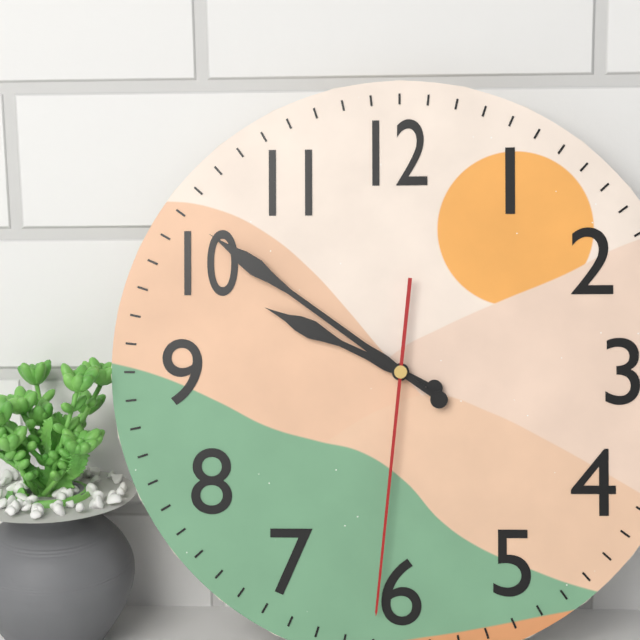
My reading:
9 h 51 min 31 s
